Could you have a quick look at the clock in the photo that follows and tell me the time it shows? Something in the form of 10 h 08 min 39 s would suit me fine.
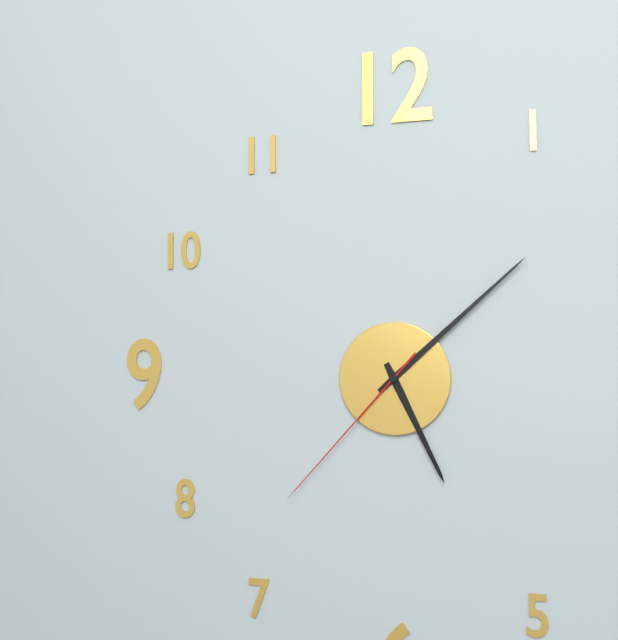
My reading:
5 h 08 min 37 s
